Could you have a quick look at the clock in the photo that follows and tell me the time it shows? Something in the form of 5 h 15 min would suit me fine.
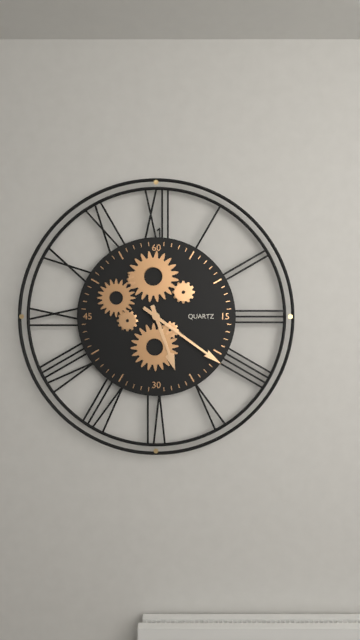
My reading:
5 h 21 min
